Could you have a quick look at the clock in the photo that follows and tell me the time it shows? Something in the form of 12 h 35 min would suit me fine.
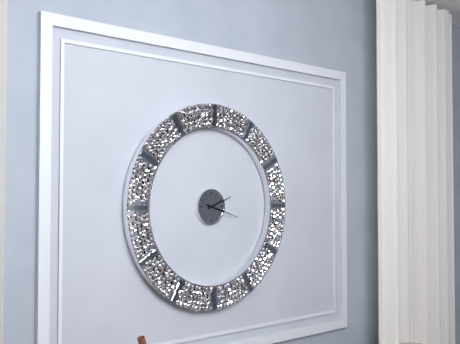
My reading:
2 h 18 min
